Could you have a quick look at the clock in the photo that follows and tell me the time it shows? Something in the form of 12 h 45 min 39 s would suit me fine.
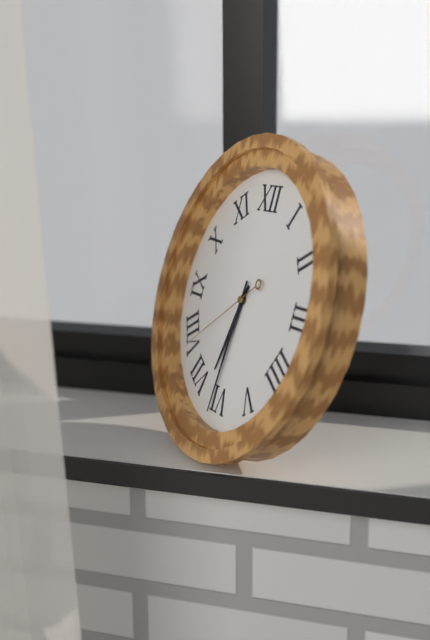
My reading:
6 h 31 min 39 s
